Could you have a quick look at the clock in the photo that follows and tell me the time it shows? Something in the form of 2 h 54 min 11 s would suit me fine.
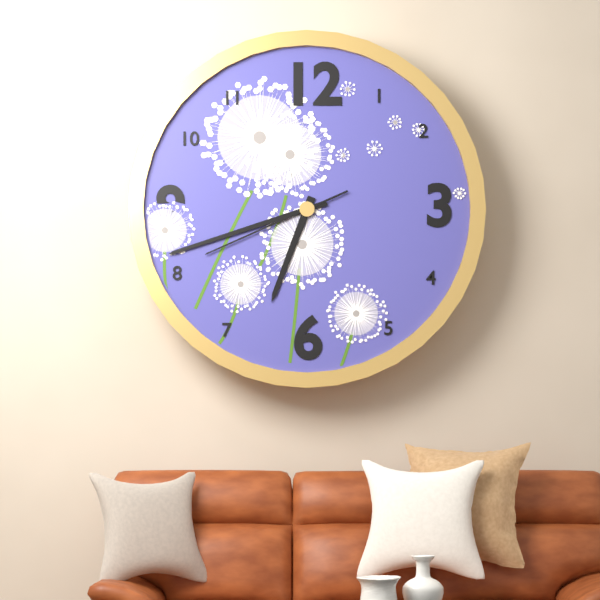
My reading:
6 h 42 min 41 s
